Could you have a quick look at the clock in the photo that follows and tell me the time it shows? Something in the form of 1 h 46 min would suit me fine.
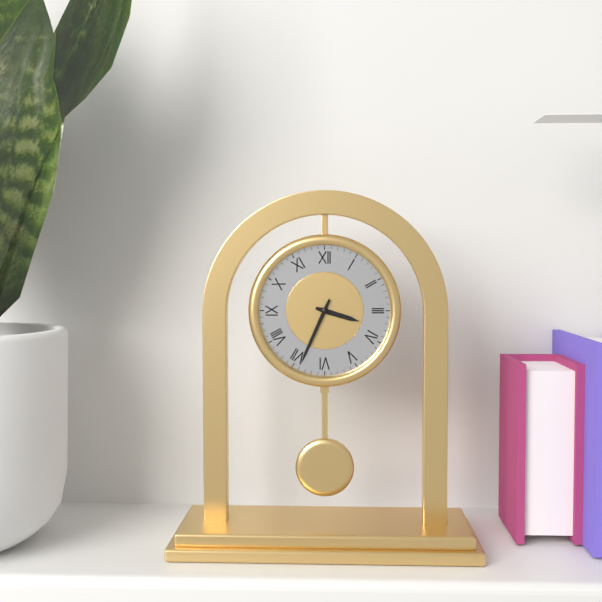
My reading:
3 h 34 min
